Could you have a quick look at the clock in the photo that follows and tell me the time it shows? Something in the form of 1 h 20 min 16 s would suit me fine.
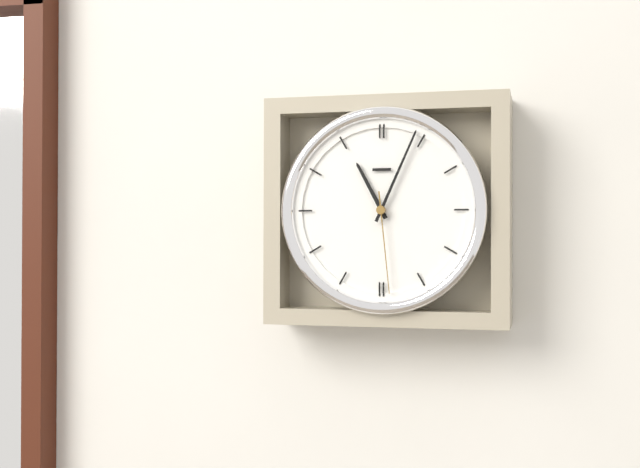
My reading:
11 h 04 min 29 s
